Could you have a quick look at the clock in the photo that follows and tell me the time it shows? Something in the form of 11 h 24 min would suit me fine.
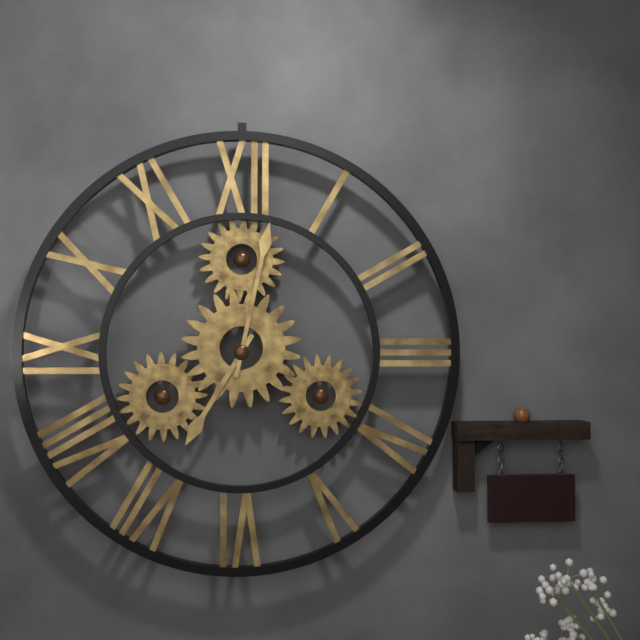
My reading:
7 h 02 min
